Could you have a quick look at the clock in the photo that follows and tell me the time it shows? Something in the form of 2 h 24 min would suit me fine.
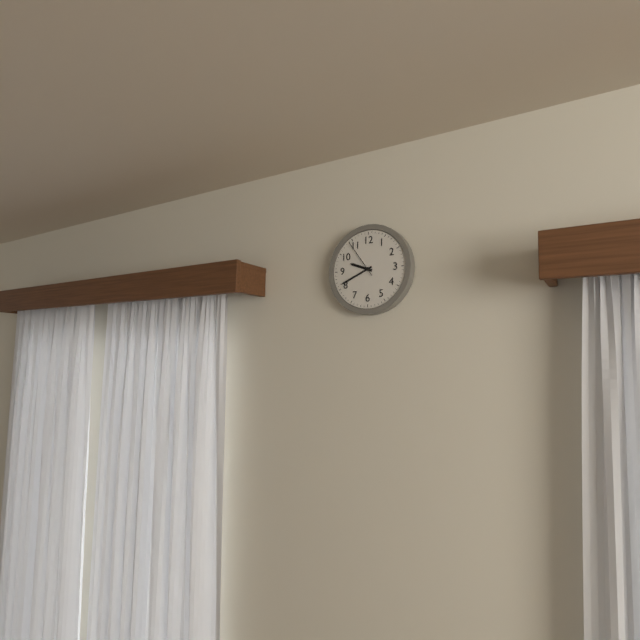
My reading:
9 h 41 min
